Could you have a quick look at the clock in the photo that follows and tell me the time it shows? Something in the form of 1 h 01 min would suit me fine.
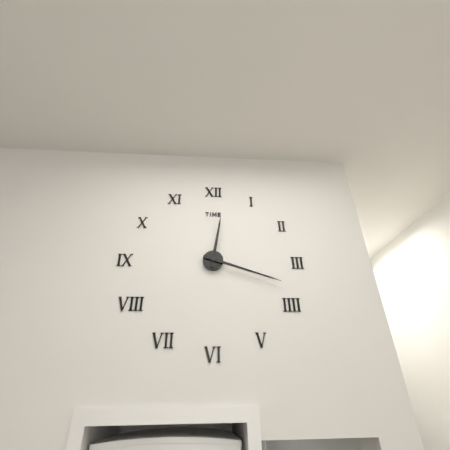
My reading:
12 h 18 min
